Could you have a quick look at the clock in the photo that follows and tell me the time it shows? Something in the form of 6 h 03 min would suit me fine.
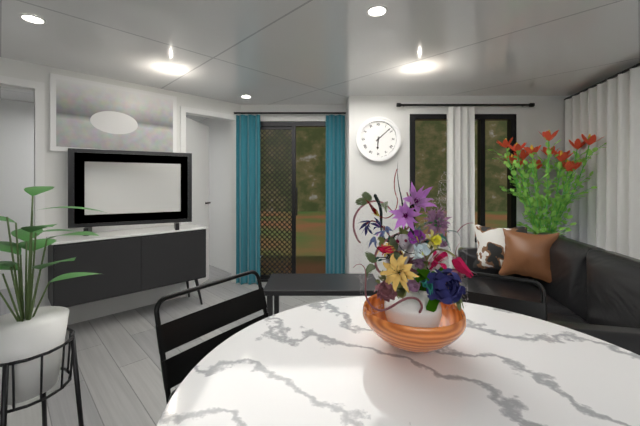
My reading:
6 h 08 min
